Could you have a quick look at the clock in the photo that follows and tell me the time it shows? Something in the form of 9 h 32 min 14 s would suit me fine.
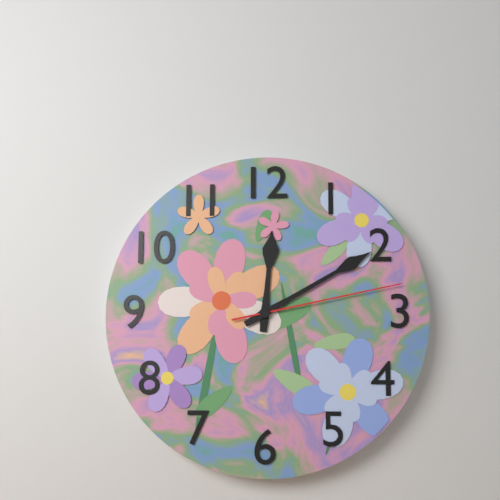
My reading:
12 h 10 min 13 s
